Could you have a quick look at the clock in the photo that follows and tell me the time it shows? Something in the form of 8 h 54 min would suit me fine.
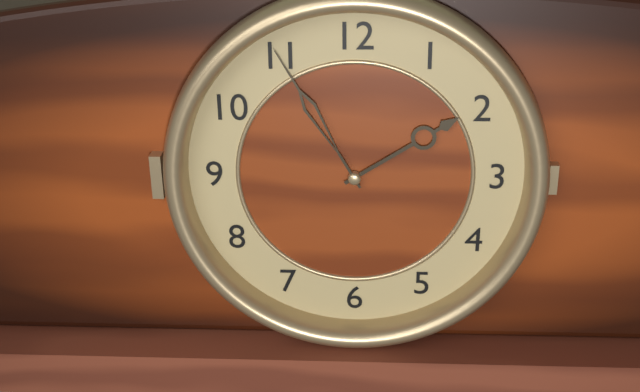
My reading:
1 h 55 min
